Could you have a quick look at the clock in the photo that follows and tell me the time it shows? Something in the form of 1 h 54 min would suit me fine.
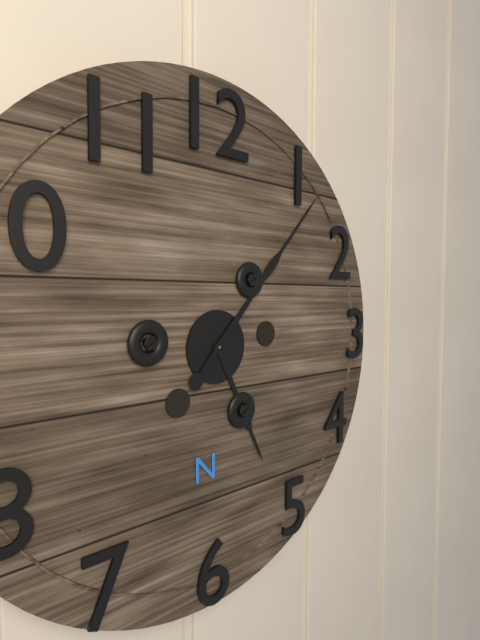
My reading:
5 h 07 min
